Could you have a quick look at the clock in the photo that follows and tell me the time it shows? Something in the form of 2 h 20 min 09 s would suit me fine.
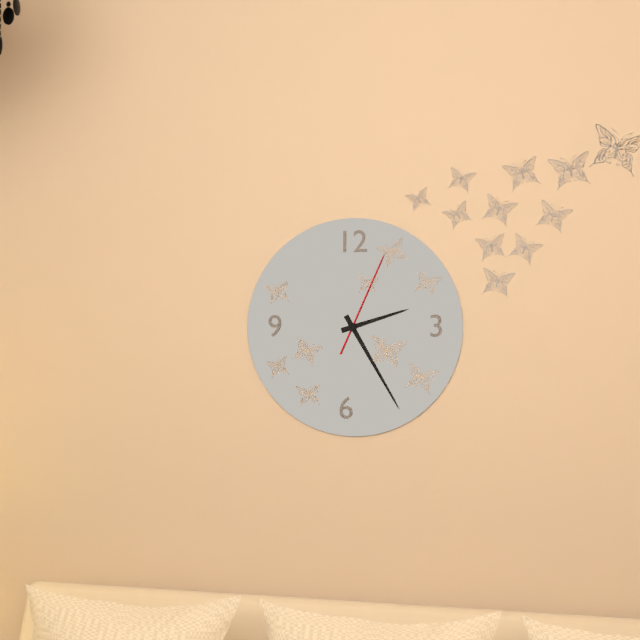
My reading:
2 h 25 min 04 s
